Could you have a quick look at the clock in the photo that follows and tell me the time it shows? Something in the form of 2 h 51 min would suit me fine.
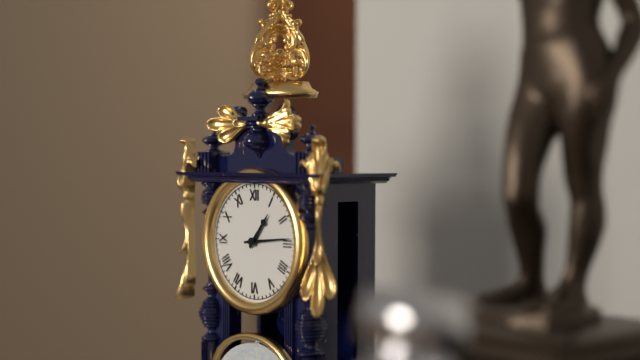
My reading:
1 h 14 min
